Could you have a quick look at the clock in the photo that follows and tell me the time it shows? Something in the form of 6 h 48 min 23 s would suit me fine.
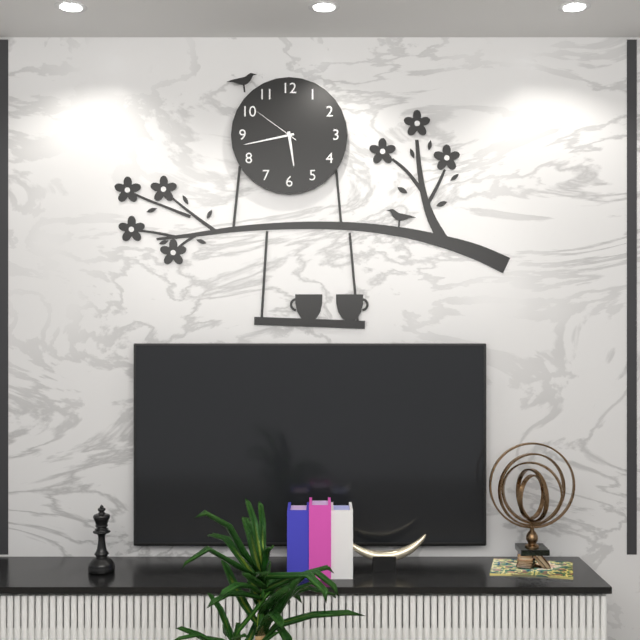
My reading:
5 h 43 min 51 s
